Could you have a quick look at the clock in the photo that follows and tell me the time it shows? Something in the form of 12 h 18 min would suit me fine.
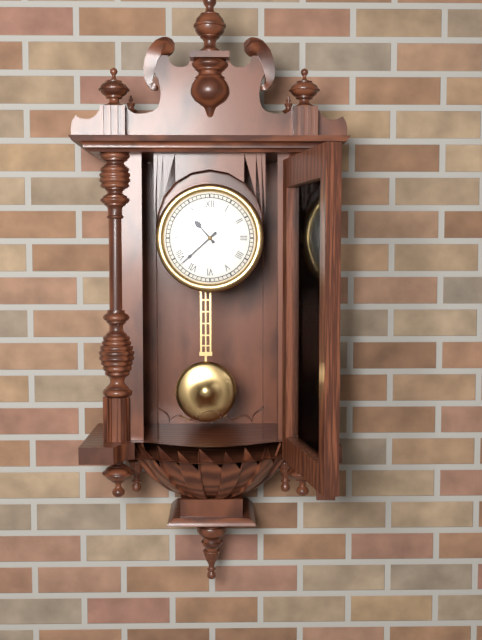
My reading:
10 h 38 min
